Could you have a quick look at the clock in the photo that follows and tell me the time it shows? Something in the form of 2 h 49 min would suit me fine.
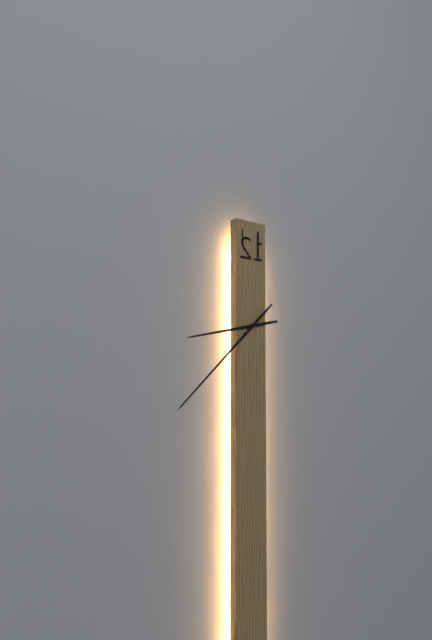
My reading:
8 h 38 min
